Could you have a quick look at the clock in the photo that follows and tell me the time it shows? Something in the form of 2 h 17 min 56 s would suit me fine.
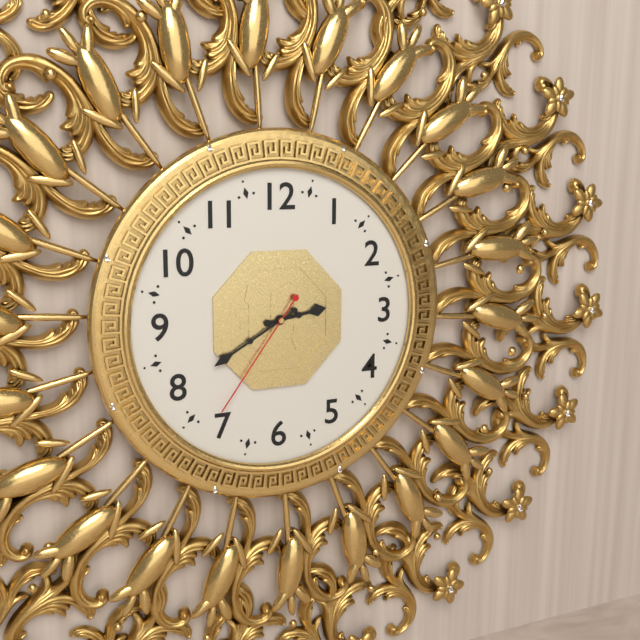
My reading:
2 h 40 min 36 s
